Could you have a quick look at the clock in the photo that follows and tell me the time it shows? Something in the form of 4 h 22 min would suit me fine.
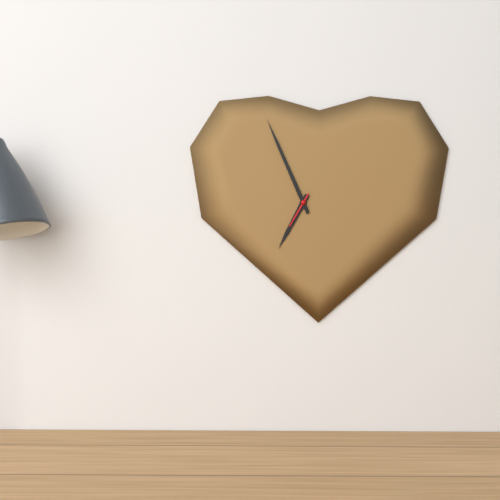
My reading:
6 h 56 min
